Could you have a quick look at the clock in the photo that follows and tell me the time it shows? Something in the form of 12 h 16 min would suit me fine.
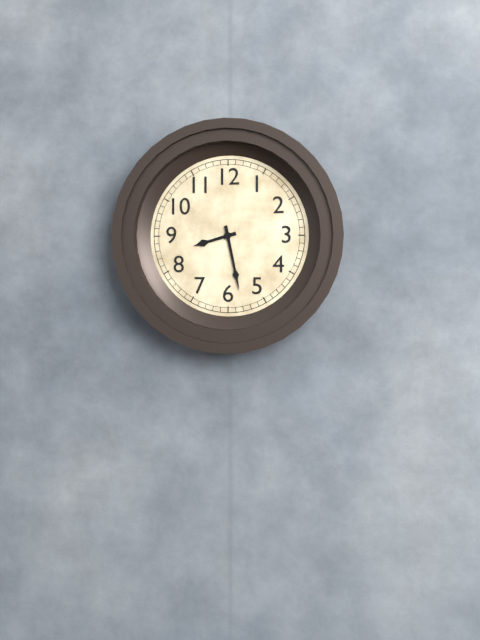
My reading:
8 h 28 min
